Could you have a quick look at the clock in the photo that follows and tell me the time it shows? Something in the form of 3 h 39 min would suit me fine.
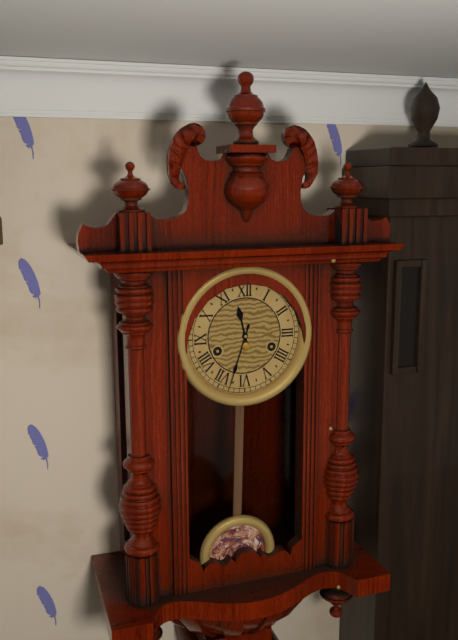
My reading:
11 h 33 min
